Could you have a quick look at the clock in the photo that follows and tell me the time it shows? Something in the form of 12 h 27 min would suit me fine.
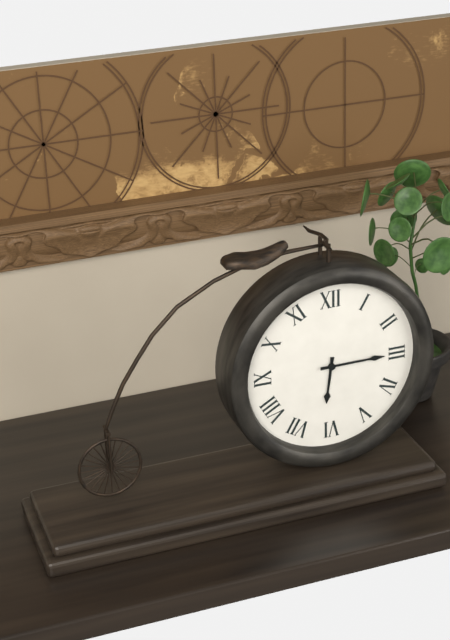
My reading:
6 h 15 min
